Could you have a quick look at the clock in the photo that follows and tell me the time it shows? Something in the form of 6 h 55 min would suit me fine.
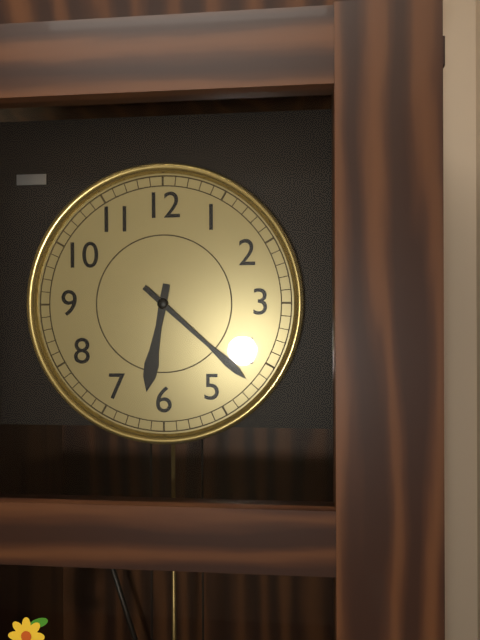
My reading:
6 h 22 min
